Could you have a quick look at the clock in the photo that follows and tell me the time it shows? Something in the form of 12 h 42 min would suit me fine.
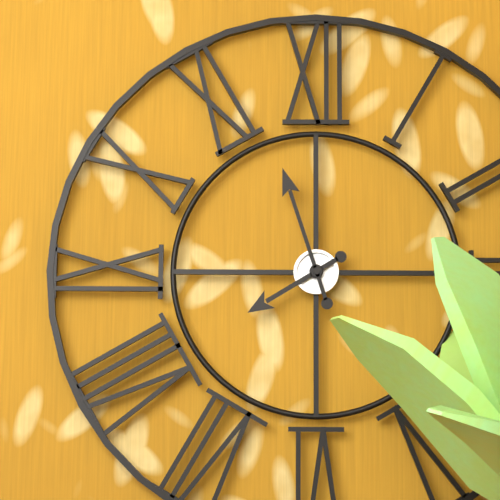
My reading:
7 h 57 min
